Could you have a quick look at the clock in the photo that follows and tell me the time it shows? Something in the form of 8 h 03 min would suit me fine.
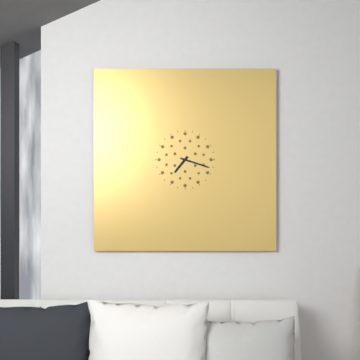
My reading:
7 h 18 min
